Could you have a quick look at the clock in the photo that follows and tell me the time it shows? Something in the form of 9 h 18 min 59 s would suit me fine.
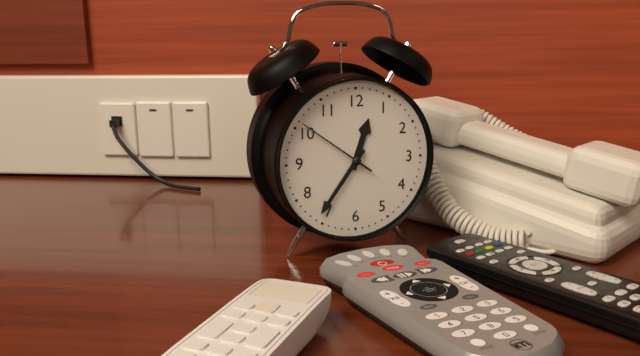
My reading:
12 h 36 min 51 s
